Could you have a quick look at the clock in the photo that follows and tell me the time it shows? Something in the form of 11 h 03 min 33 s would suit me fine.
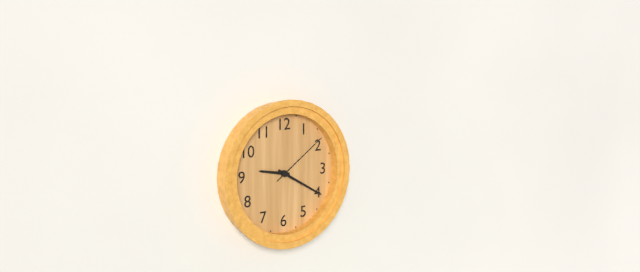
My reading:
9 h 20 min 09 s
